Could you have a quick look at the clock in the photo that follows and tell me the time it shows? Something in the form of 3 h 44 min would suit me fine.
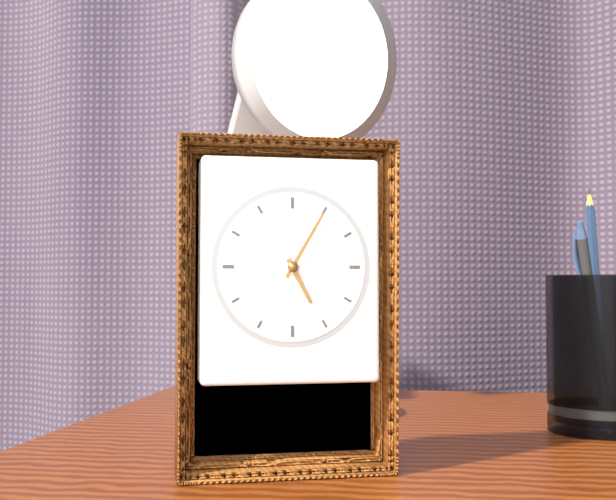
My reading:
5 h 05 min
